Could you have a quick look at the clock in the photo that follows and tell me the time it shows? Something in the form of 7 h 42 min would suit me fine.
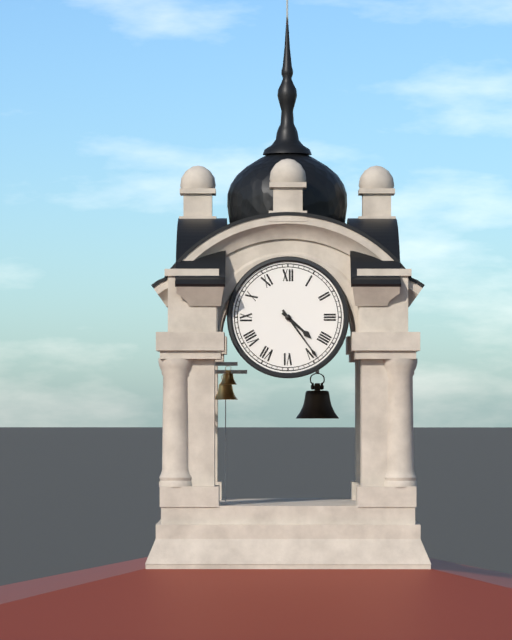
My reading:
4 h 24 min
